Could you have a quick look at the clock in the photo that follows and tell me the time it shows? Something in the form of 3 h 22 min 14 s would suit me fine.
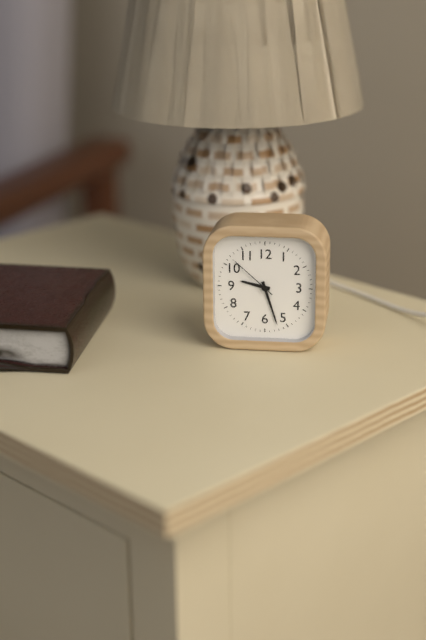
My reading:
9 h 27 min 52 s
